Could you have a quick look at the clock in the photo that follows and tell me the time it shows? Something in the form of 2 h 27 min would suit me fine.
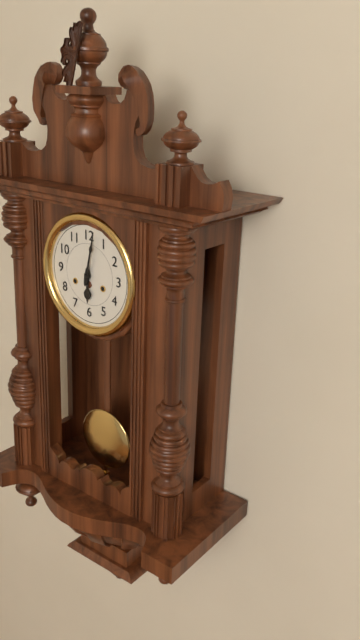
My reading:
6 h 02 min
